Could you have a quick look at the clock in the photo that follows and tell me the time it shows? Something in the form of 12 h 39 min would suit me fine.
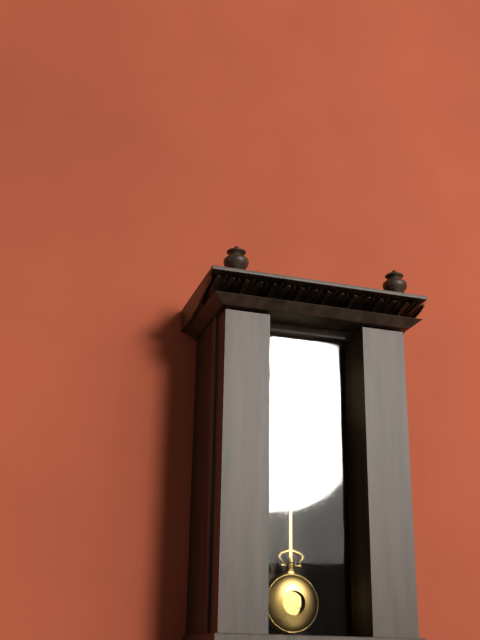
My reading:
12 h 44 min
